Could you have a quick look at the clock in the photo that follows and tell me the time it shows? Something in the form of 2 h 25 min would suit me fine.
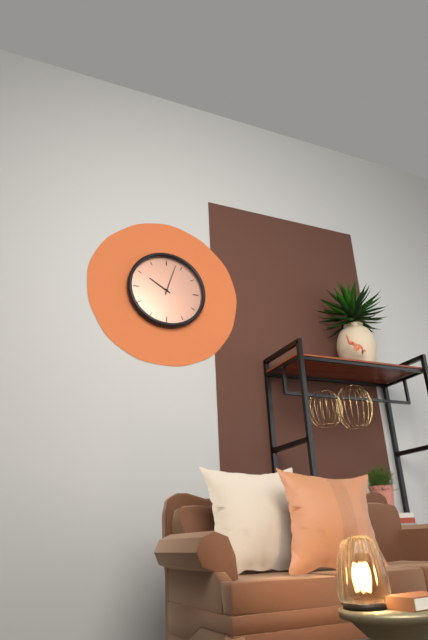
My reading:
10 h 03 min
